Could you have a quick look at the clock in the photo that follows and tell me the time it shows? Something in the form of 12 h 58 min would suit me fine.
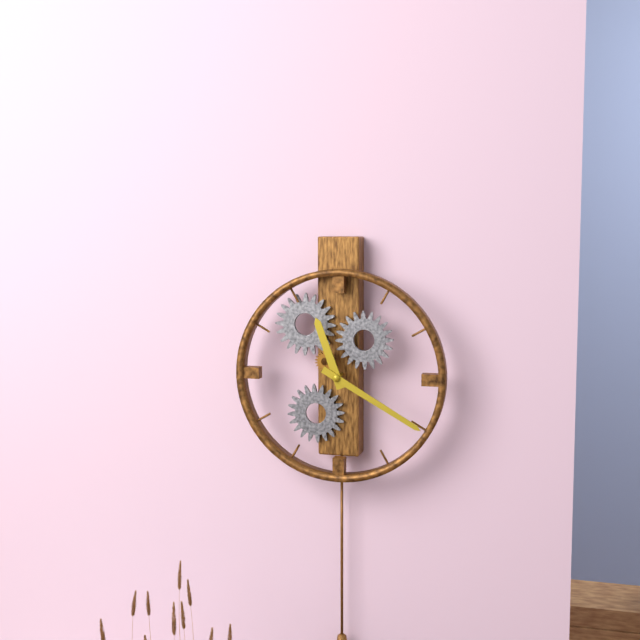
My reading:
11 h 20 min
